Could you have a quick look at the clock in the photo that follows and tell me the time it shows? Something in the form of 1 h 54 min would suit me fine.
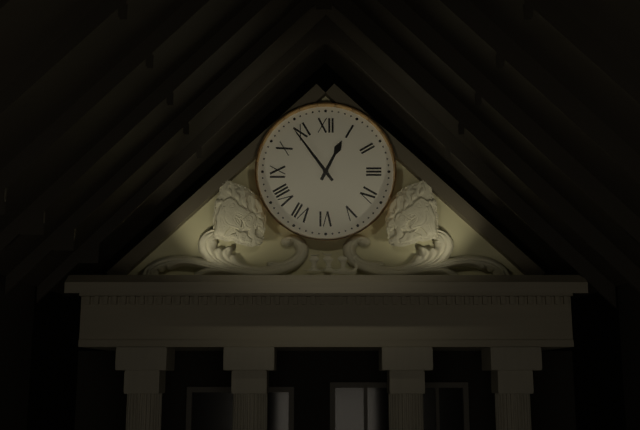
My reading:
12 h 54 min
